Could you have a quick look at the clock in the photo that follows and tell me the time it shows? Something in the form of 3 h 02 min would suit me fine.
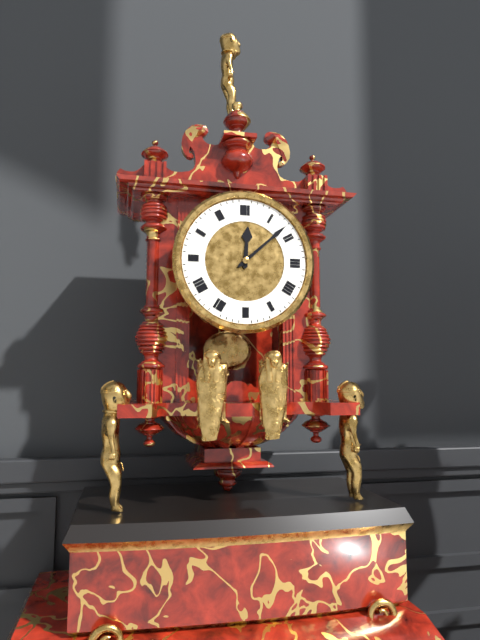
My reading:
12 h 08 min
